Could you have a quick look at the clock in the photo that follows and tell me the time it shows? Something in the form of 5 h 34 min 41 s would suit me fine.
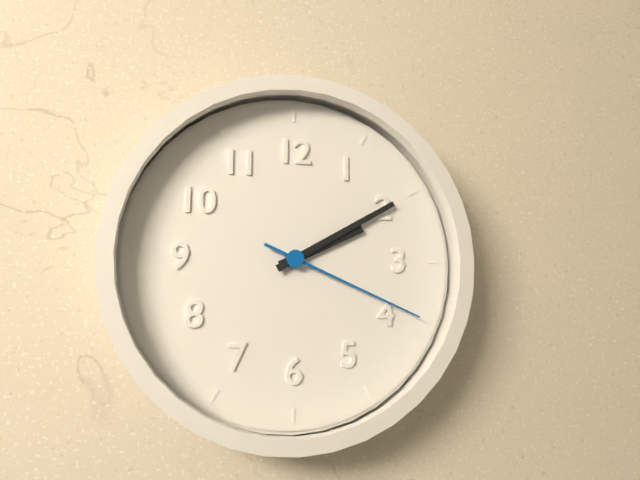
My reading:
2 h 10 min 19 s
